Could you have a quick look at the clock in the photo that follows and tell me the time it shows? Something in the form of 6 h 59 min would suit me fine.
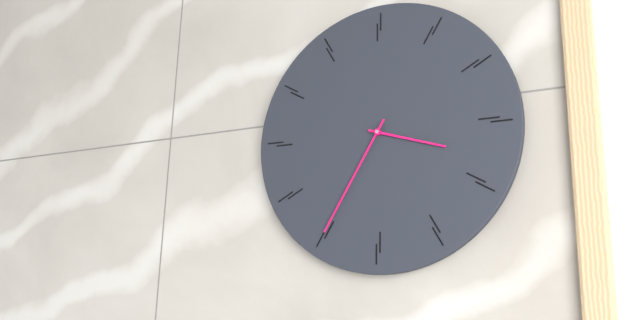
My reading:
3 h 35 min
